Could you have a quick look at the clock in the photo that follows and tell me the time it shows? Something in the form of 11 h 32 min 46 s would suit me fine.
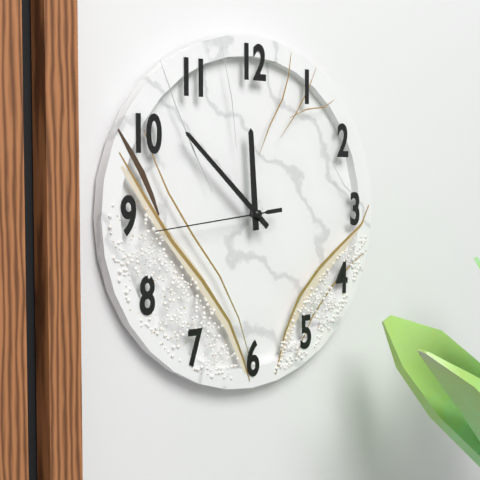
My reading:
11 h 52 min 44 s
